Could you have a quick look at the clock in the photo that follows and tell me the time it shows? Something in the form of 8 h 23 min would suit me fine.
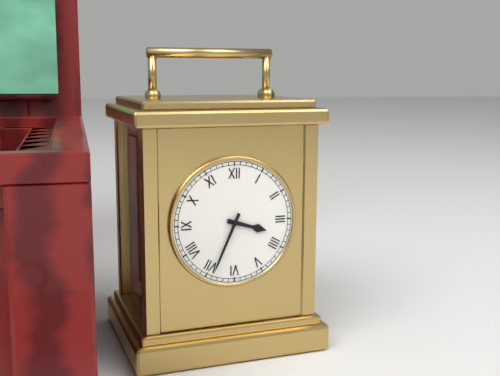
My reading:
3 h 34 min
